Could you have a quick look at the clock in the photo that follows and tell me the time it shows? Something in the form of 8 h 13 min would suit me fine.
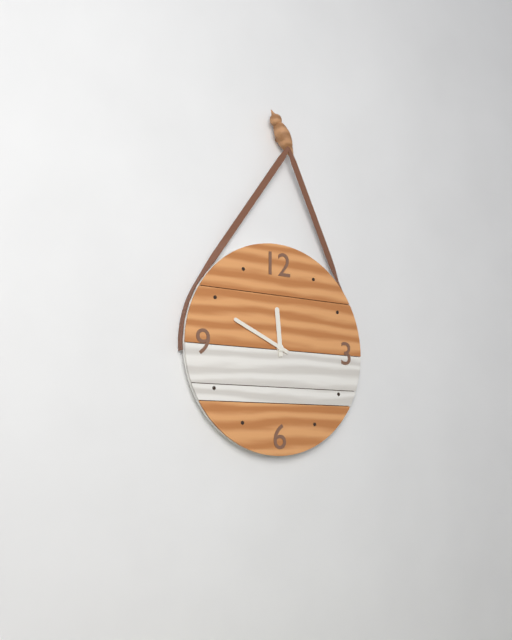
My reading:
11 h 49 min
